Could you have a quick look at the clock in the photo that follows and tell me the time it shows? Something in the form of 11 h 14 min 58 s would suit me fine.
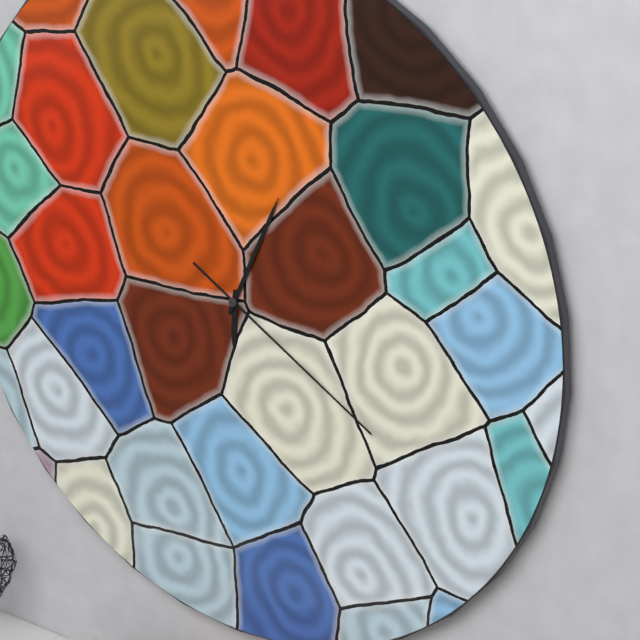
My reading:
6 h 04 min 20 s
